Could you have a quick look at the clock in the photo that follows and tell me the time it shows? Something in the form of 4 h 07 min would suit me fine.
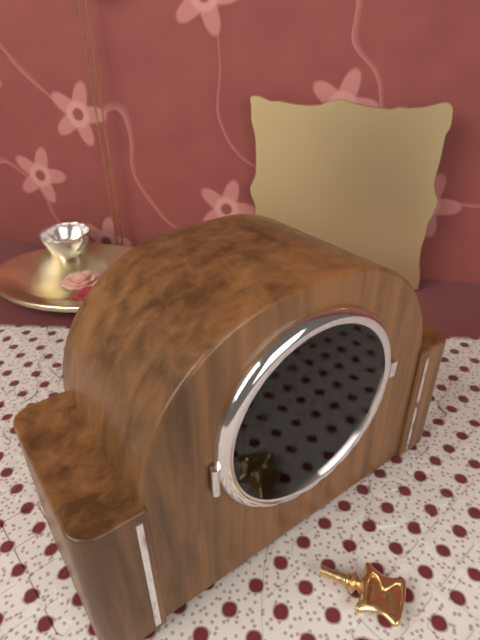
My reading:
5 h 38 min
